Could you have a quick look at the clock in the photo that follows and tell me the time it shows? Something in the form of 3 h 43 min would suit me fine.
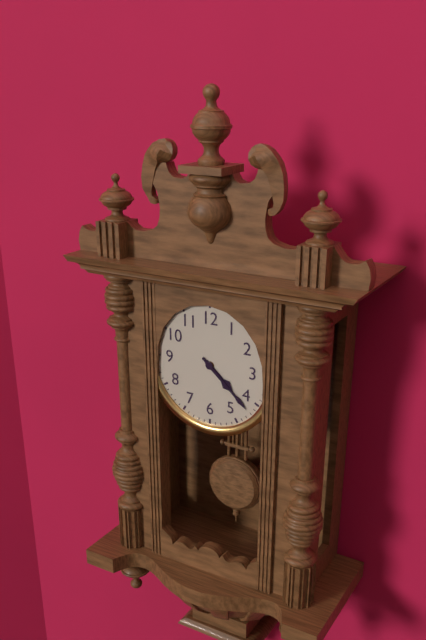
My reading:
4 h 22 min
